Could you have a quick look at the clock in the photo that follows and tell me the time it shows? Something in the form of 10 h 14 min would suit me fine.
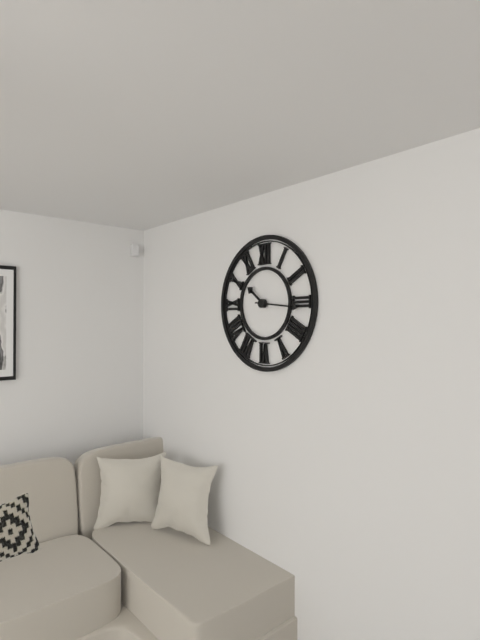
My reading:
10 h 16 min
